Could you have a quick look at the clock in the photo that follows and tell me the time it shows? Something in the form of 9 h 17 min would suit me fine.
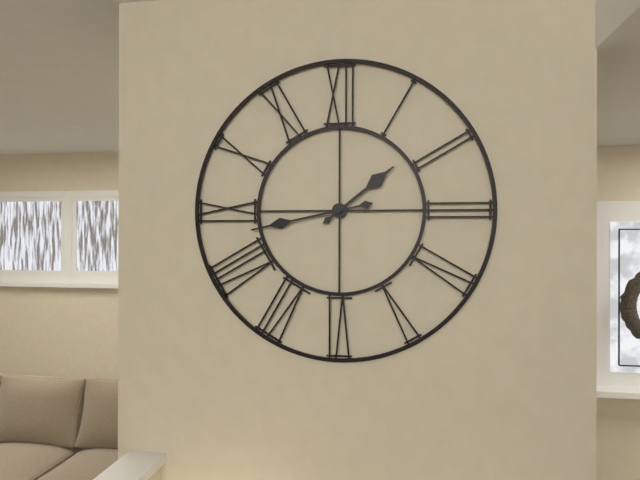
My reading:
1 h 43 min
